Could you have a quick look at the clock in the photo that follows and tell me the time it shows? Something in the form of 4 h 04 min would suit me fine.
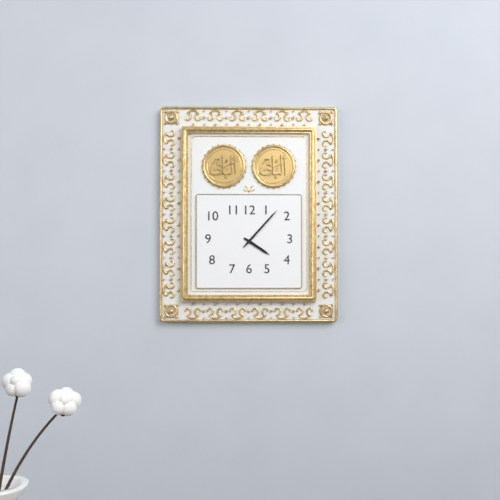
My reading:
4 h 07 min
